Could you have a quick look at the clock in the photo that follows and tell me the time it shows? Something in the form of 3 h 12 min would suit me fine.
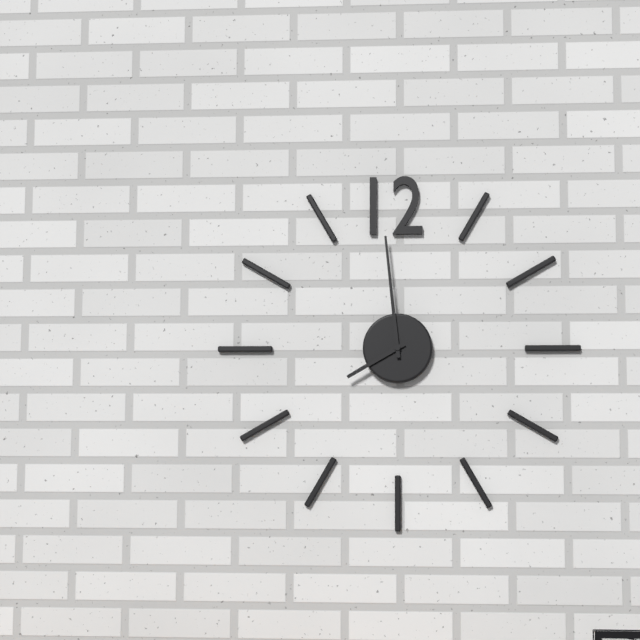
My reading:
7 h 59 min
